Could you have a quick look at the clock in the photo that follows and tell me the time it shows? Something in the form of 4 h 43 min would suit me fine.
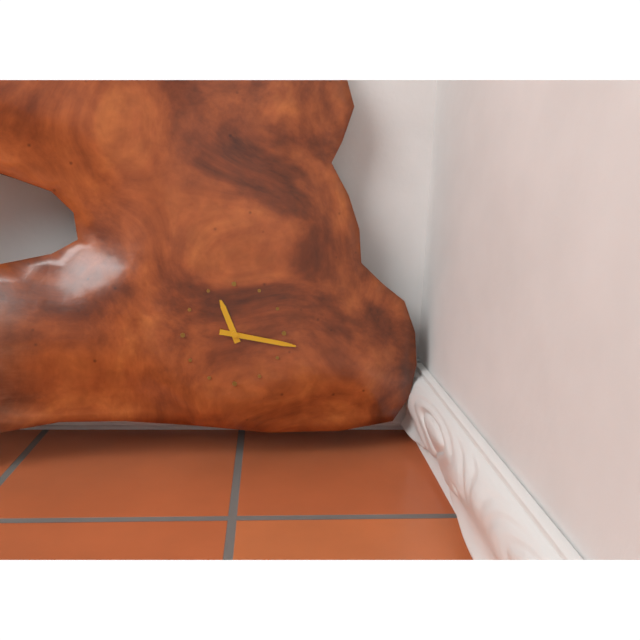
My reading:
11 h 17 min
